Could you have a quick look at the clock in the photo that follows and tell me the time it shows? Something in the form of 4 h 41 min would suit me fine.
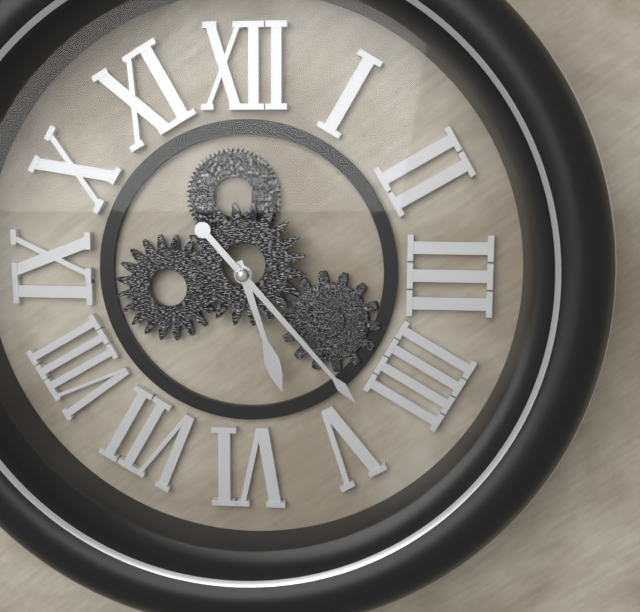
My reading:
5 h 23 min
